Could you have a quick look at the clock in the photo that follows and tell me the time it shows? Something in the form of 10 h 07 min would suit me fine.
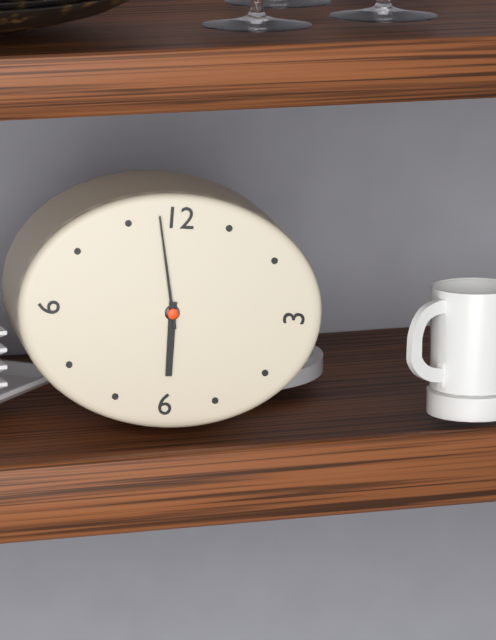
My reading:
5 h 58 min
